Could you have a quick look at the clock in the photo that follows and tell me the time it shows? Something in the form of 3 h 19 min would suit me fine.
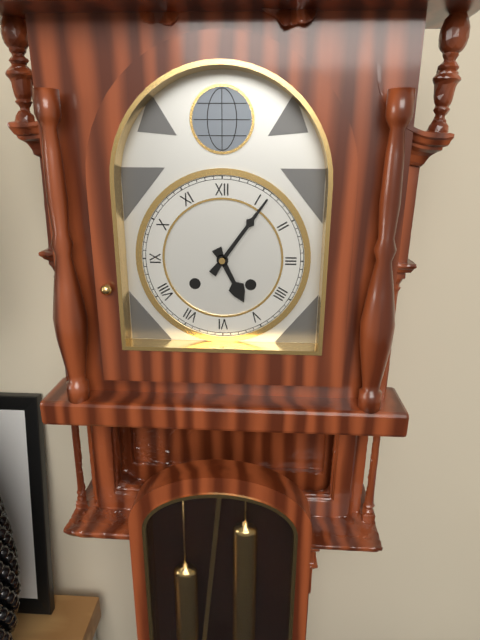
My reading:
5 h 06 min
